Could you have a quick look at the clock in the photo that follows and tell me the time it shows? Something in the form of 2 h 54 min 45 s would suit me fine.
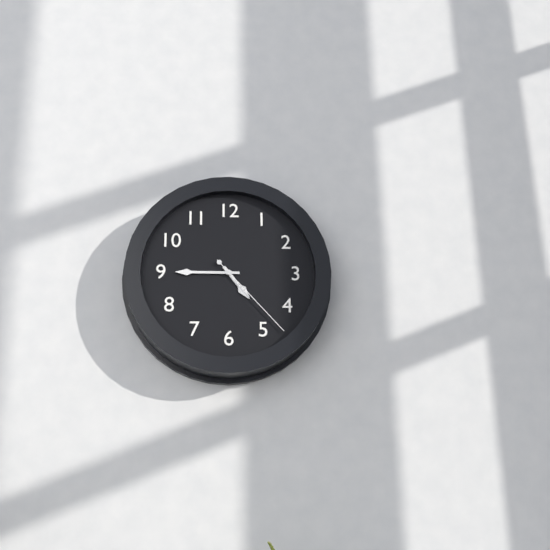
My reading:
4 h 45 min 23 s
